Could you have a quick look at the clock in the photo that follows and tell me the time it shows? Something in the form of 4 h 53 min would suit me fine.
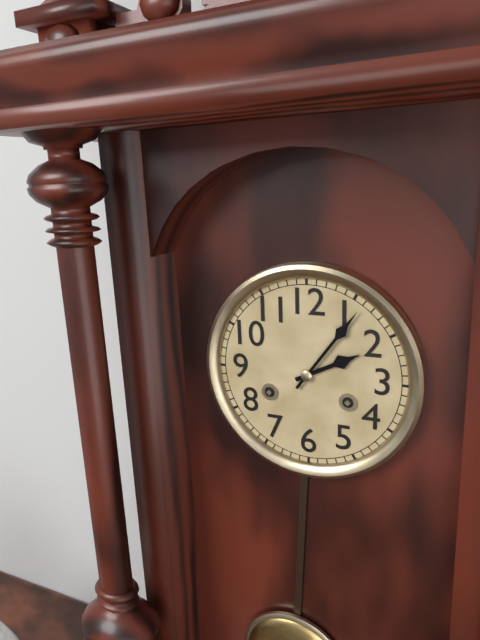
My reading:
2 h 06 min
